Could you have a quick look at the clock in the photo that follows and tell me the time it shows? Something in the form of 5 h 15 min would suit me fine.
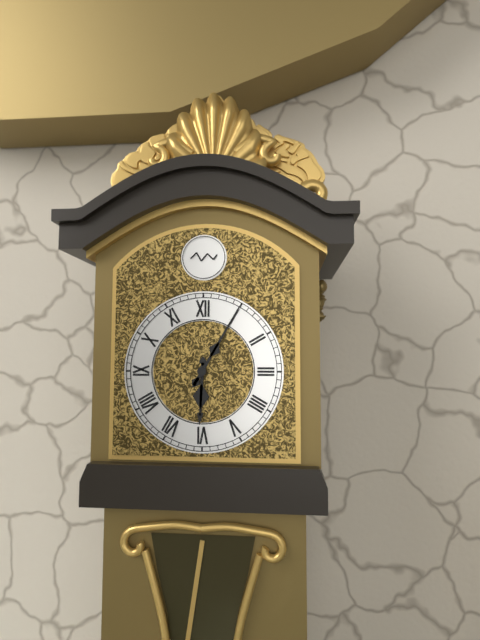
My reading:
6 h 05 min
